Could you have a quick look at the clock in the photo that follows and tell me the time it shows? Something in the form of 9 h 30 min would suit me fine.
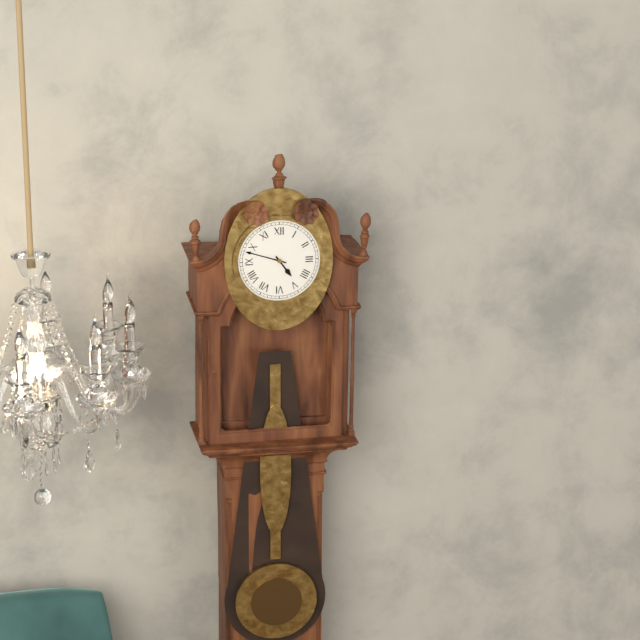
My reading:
4 h 48 min
